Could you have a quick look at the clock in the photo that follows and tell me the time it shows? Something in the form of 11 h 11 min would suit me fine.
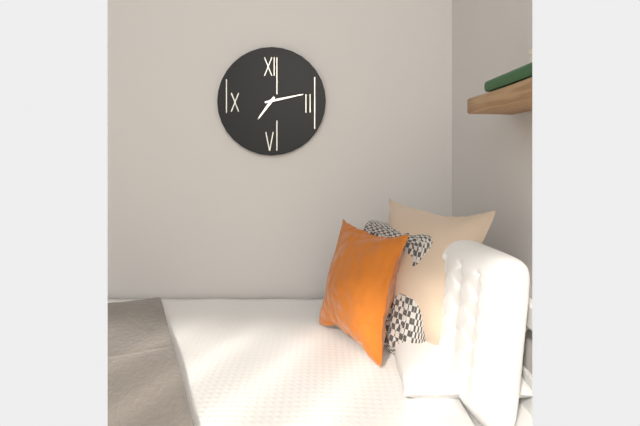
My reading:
7 h 13 min
